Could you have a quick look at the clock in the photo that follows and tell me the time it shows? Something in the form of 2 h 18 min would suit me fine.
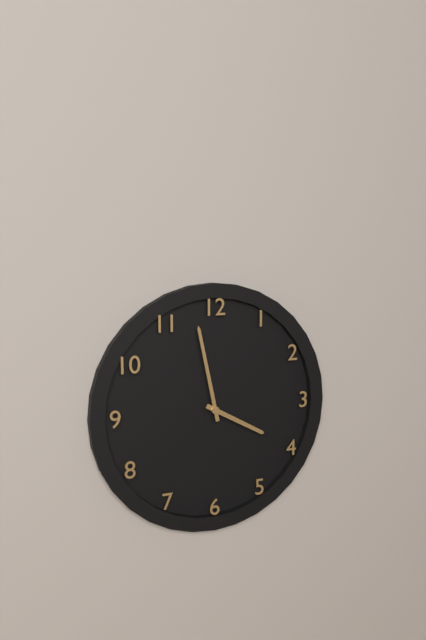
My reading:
3 h 58 min
